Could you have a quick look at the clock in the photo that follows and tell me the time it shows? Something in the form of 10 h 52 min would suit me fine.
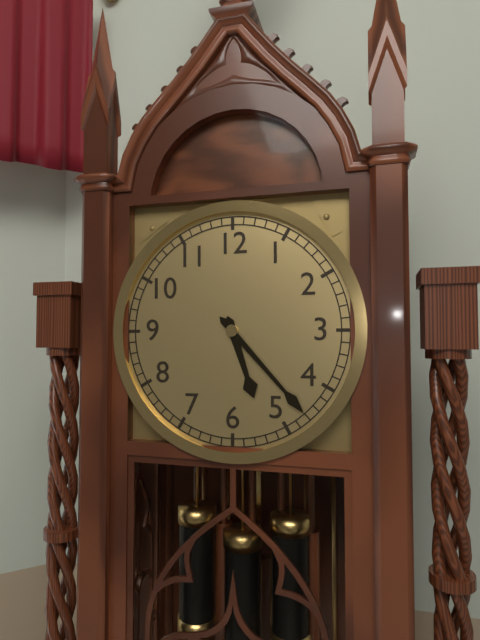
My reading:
5 h 23 min
